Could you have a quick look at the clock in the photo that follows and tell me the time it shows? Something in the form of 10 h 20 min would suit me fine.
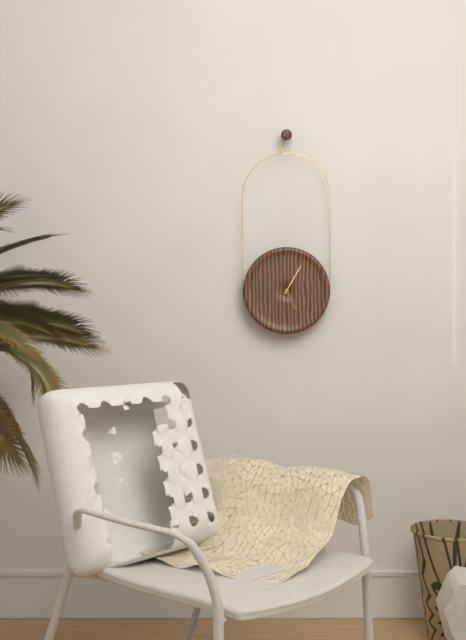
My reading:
5 h 05 min
